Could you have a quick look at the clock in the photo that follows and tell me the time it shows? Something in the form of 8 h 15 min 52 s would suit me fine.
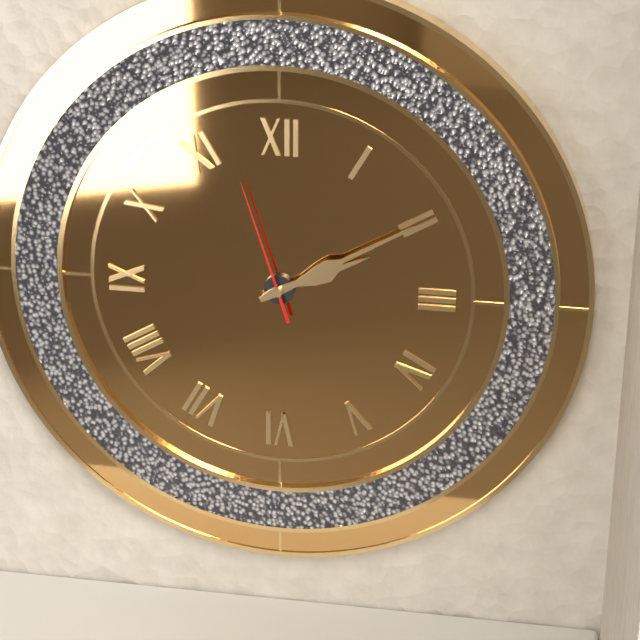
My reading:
2 h 10 min 57 s
